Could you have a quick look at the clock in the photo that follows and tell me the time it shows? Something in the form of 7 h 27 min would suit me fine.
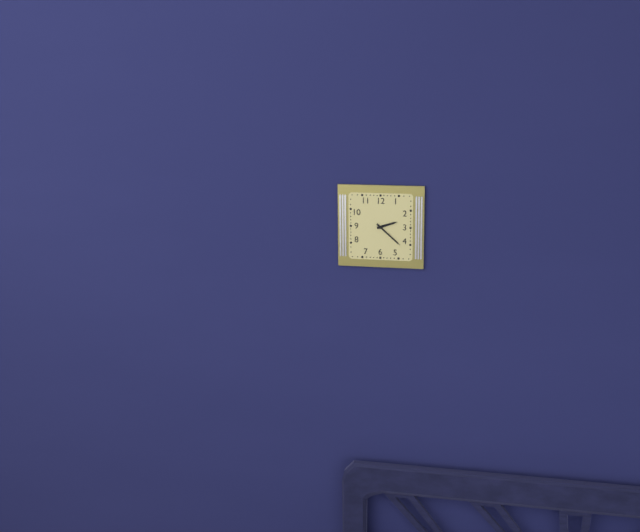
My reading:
2 h 22 min
